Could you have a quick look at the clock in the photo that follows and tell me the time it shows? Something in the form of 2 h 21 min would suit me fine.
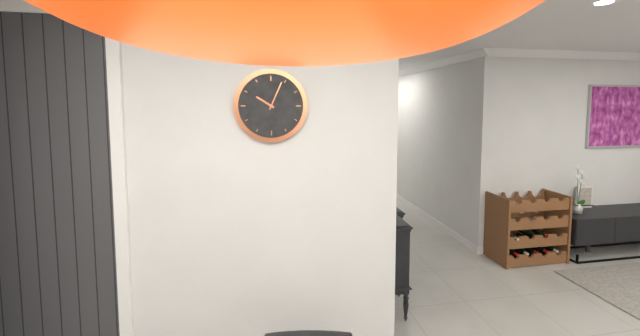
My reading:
10 h 04 min
